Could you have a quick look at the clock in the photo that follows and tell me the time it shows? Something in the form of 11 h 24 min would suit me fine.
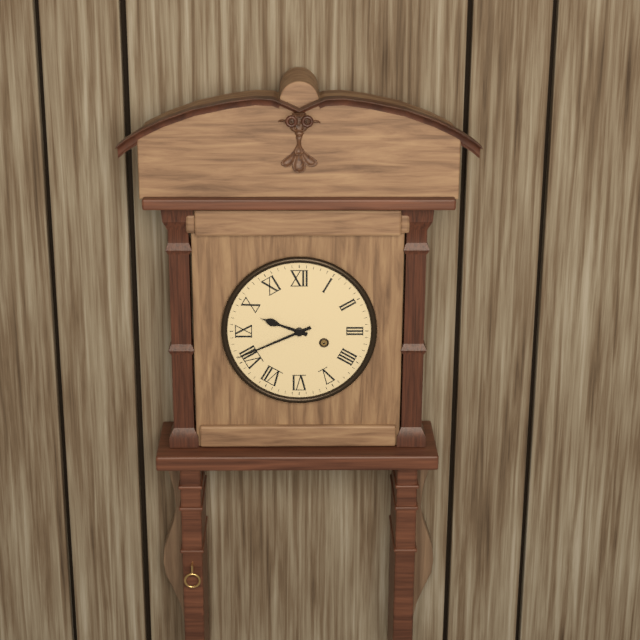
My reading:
9 h 41 min
